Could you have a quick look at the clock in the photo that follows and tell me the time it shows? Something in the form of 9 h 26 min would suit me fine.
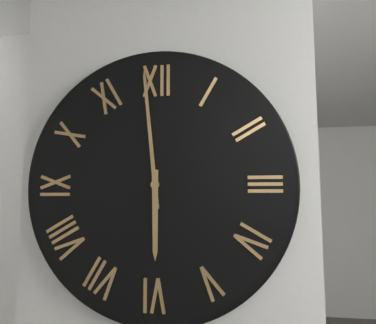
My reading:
5 h 59 min
